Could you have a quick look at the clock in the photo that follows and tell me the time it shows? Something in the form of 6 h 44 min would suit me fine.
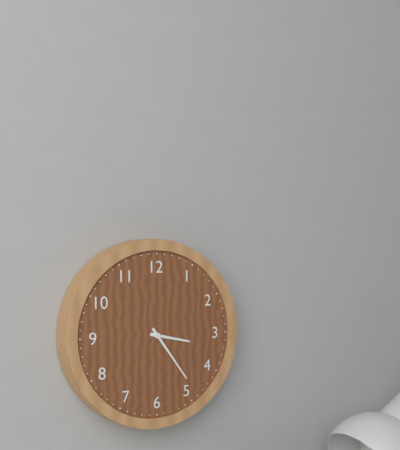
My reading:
3 h 24 min
